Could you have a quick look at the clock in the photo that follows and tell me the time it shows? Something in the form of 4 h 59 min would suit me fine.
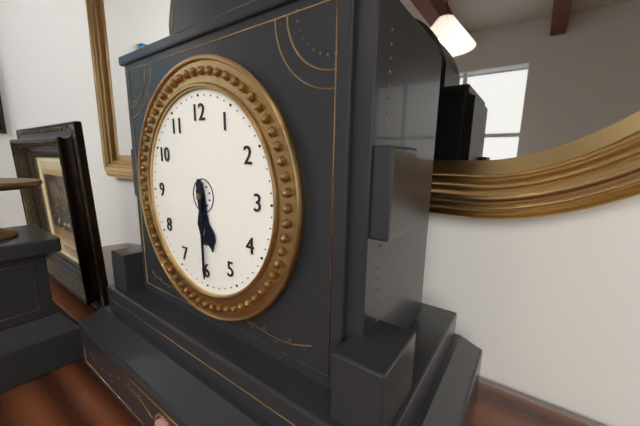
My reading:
5 h 30 min
